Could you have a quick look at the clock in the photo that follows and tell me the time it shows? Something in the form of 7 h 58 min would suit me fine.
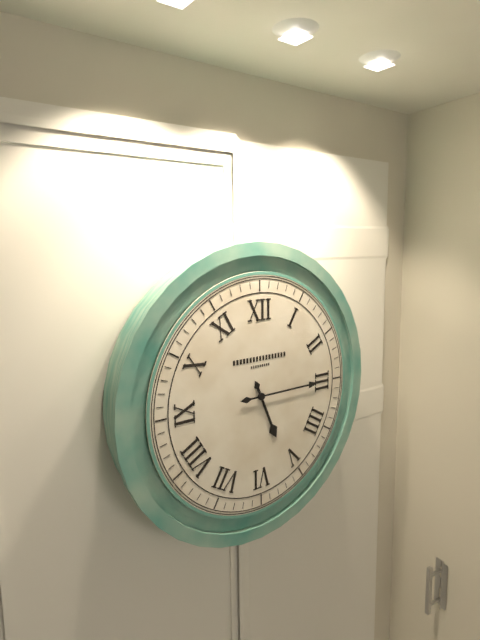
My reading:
5 h 15 min
